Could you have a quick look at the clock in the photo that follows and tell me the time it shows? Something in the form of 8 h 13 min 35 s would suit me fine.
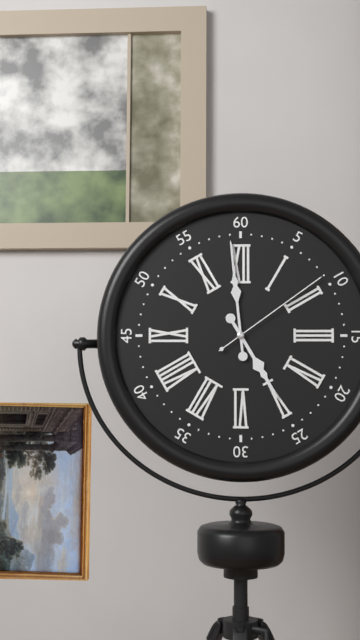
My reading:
4 h 59 min 09 s
